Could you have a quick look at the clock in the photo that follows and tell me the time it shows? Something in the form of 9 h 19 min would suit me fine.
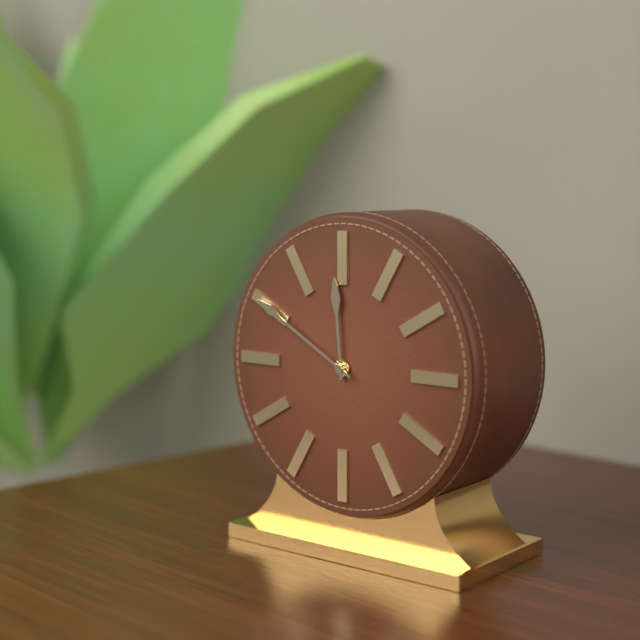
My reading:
11 h 50 min
